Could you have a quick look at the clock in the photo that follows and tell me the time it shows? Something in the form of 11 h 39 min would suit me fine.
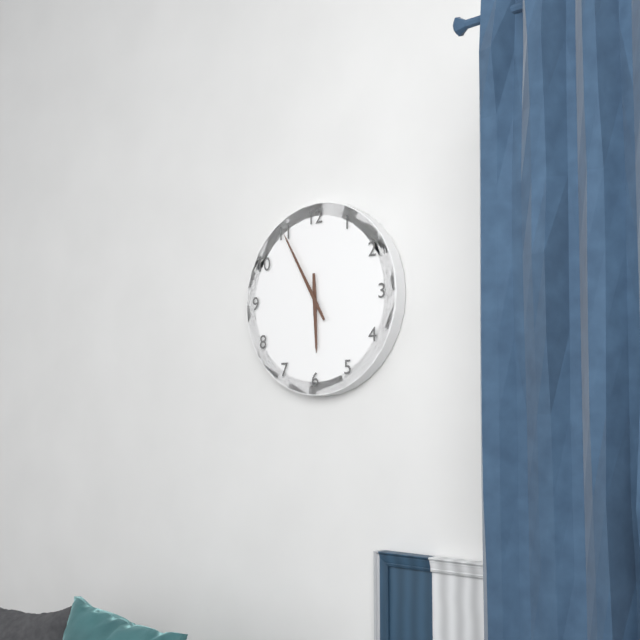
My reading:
5 h 55 min
